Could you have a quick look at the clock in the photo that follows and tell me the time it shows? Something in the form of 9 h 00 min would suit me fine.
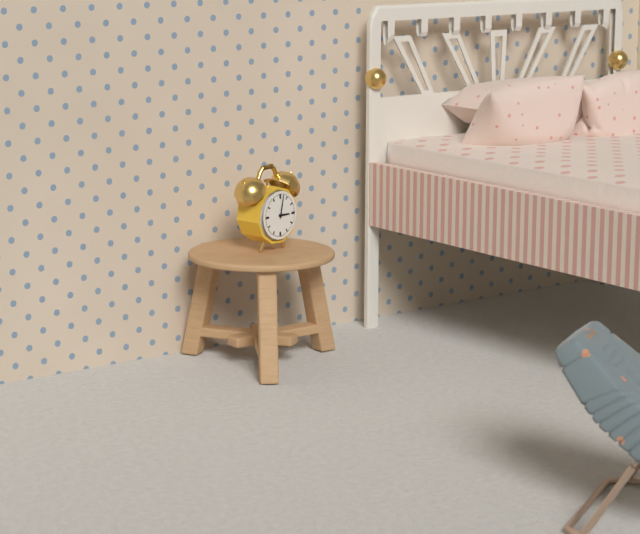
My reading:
3 h 02 min
